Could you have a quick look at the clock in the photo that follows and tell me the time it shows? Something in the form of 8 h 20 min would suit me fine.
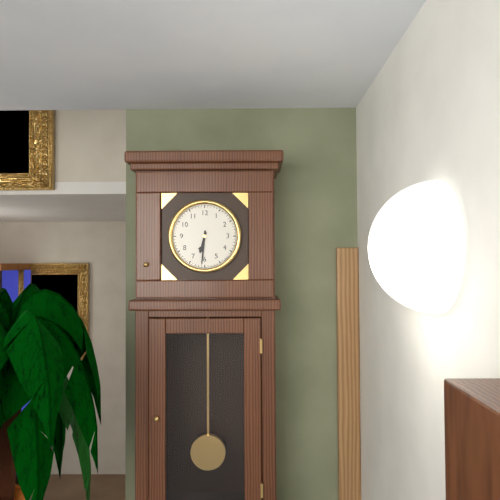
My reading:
6 h 31 min
